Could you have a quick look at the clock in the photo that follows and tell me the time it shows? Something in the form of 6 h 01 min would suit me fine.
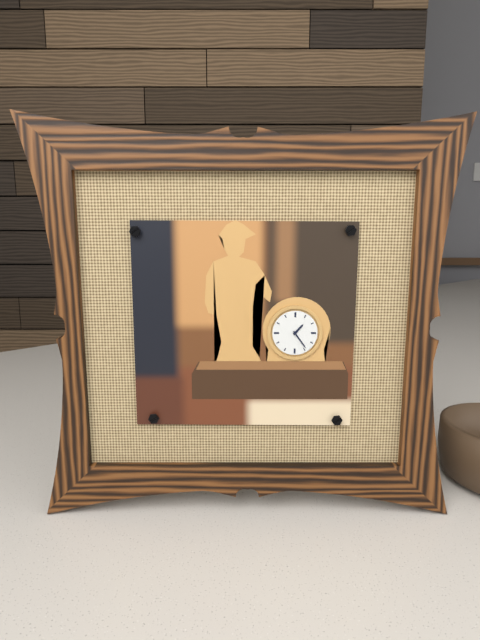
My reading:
1 h 24 min
